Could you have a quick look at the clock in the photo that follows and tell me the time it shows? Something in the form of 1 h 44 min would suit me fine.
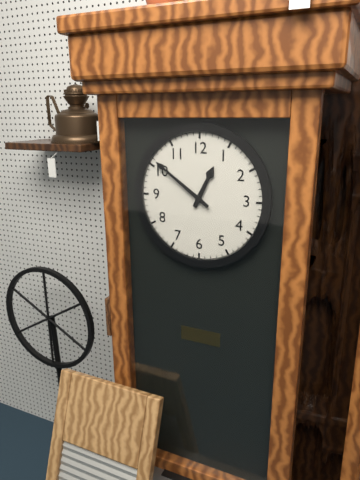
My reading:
12 h 51 min
